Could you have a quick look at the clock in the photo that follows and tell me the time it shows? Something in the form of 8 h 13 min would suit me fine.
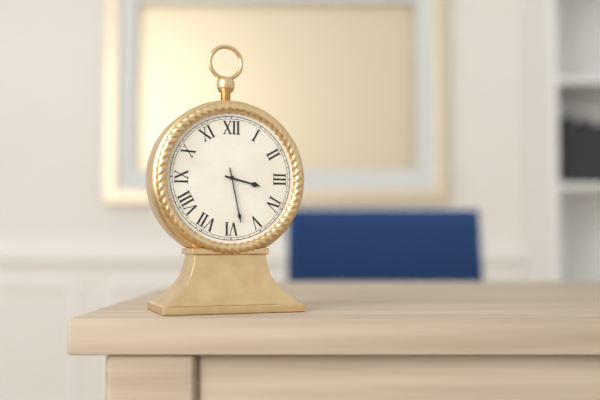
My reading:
3 h 28 min
